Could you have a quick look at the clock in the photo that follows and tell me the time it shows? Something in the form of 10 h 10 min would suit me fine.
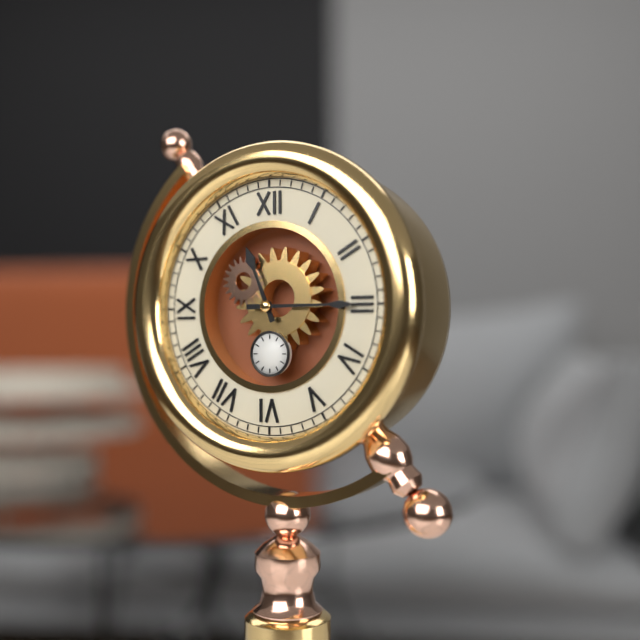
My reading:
11 h 15 min
